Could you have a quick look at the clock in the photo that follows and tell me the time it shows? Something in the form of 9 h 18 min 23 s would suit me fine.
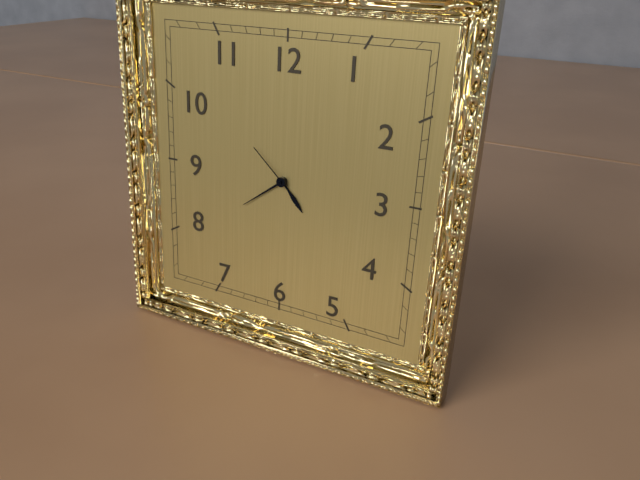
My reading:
4 h 39 min 52 s
